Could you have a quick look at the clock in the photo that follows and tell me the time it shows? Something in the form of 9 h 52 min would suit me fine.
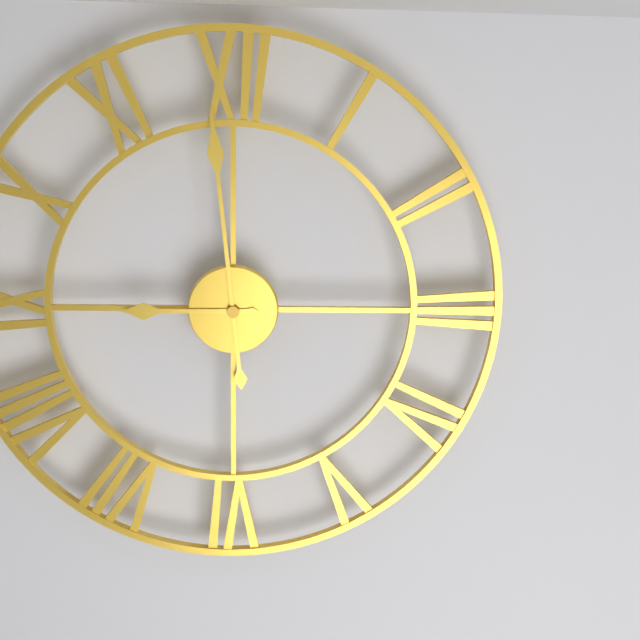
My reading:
8 h 59 min
